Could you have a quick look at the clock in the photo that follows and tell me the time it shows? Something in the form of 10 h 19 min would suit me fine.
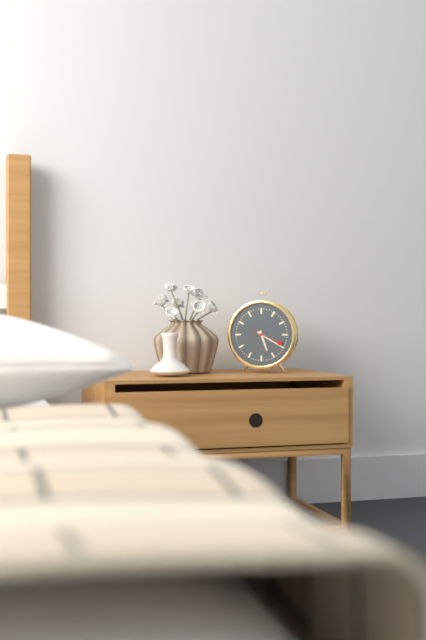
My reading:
5 h 20 min
